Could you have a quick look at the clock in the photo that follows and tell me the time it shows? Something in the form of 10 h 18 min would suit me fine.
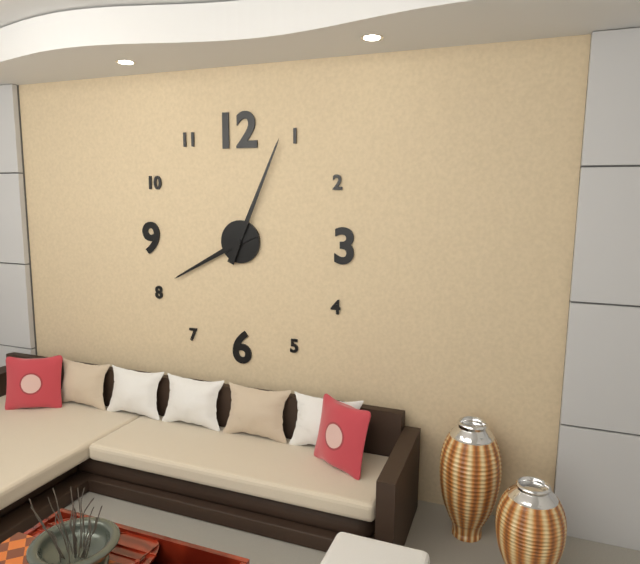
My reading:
8 h 04 min
